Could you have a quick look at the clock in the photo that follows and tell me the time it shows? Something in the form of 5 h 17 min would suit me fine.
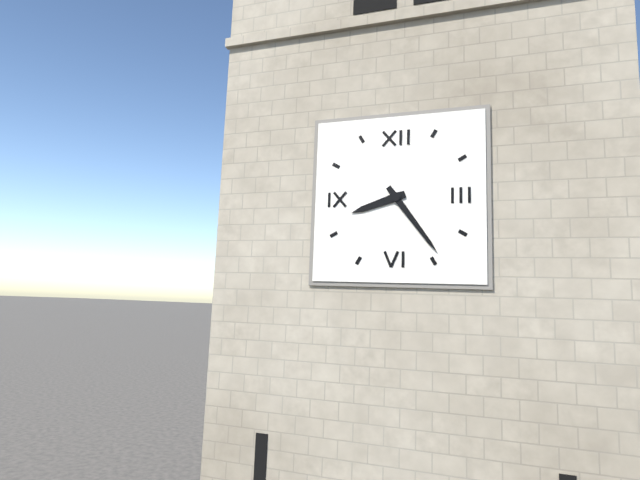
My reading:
8 h 24 min
